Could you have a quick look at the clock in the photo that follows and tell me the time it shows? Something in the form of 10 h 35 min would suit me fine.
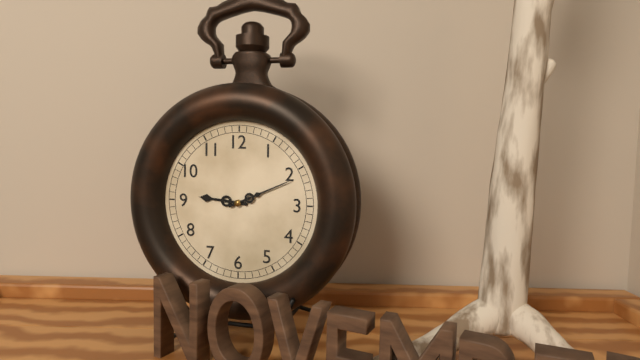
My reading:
9 h 11 min
